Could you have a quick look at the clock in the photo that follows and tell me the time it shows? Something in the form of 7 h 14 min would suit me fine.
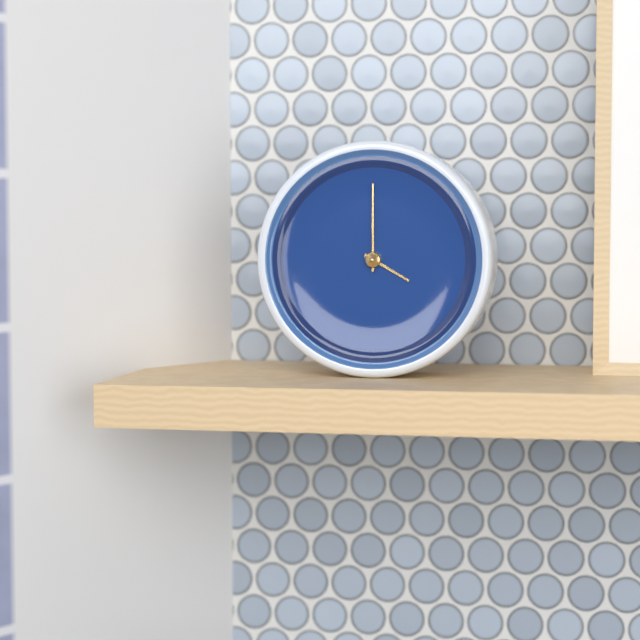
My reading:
4 h 00 min
